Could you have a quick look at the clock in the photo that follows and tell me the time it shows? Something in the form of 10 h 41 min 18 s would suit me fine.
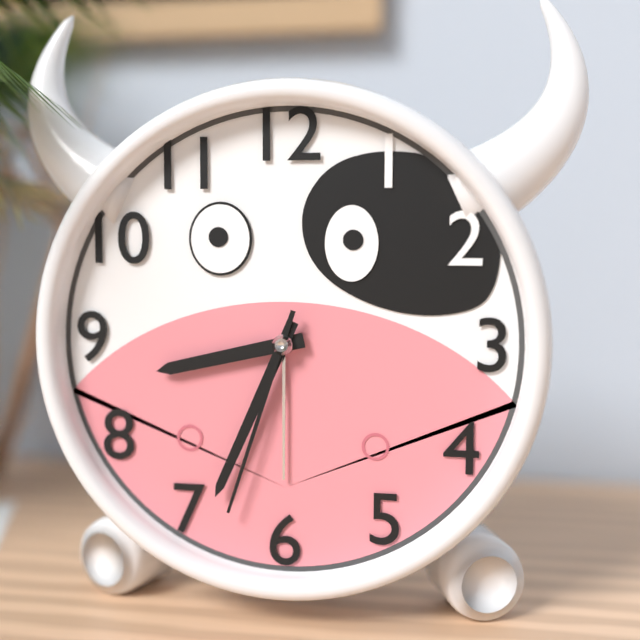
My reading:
8 h 34 min 33 s
